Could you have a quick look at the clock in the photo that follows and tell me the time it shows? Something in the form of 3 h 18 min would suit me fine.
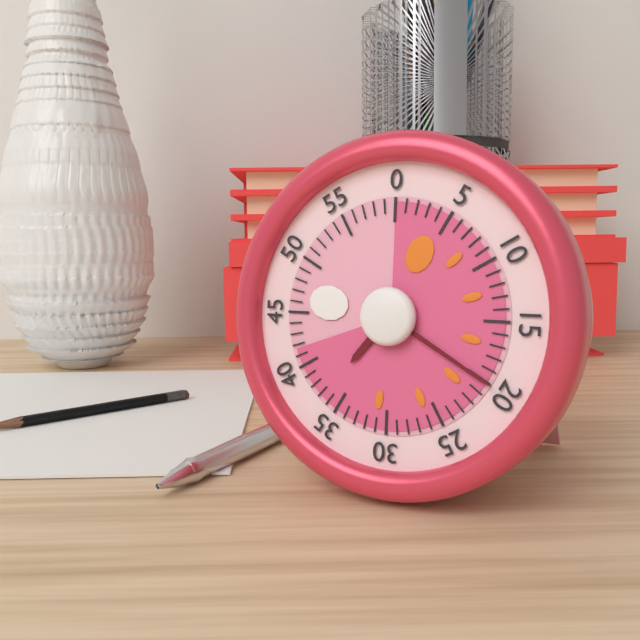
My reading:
7 h 20 min
